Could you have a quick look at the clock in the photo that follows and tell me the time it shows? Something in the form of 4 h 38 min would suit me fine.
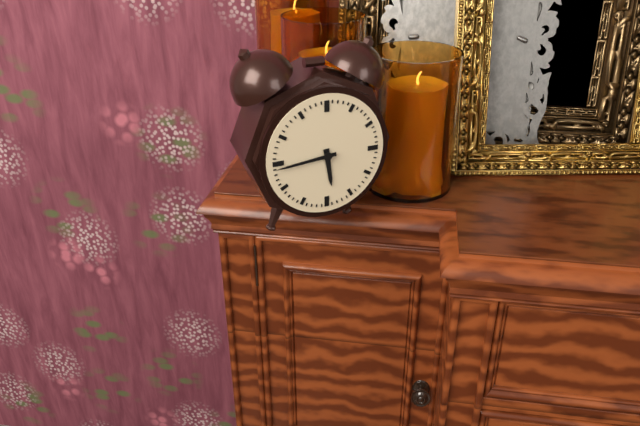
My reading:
5 h 44 min
